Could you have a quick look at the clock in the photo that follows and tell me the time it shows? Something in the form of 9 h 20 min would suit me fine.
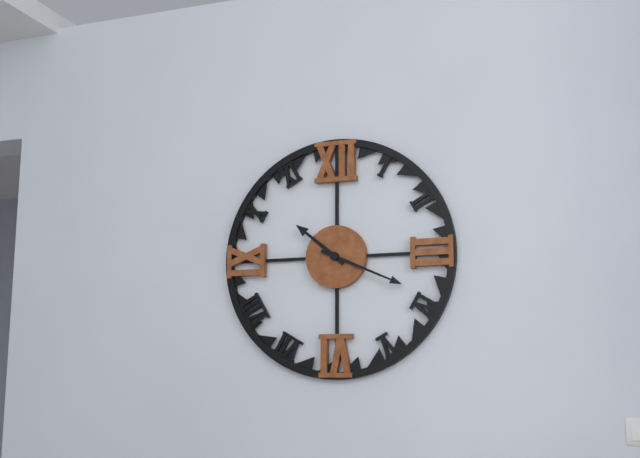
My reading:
10 h 19 min
